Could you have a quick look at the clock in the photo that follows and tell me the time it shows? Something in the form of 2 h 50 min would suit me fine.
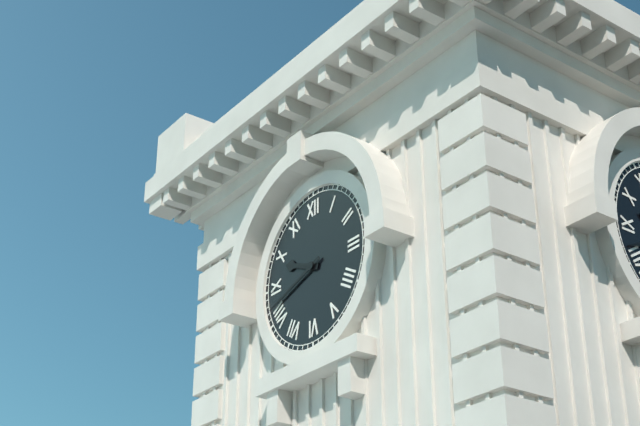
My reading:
9 h 42 min
